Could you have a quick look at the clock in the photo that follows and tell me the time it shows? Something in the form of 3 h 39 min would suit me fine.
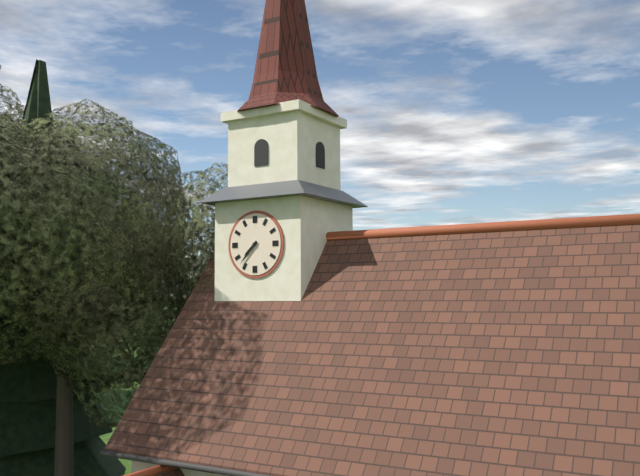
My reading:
7 h 37 min
